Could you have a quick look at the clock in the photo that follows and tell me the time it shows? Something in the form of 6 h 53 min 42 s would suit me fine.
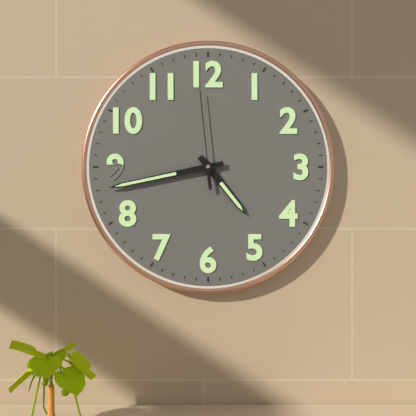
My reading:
4 h 43 min 59 s
